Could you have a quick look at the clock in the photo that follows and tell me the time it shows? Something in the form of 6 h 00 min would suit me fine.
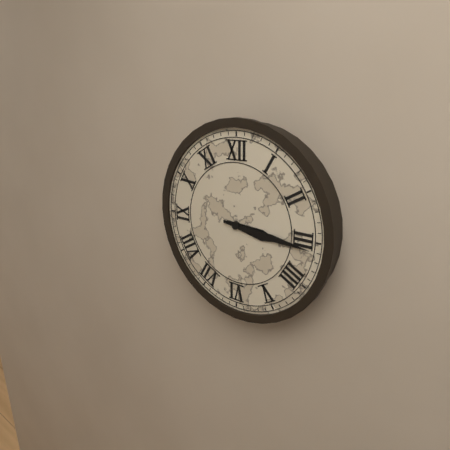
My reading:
3 h 16 min
